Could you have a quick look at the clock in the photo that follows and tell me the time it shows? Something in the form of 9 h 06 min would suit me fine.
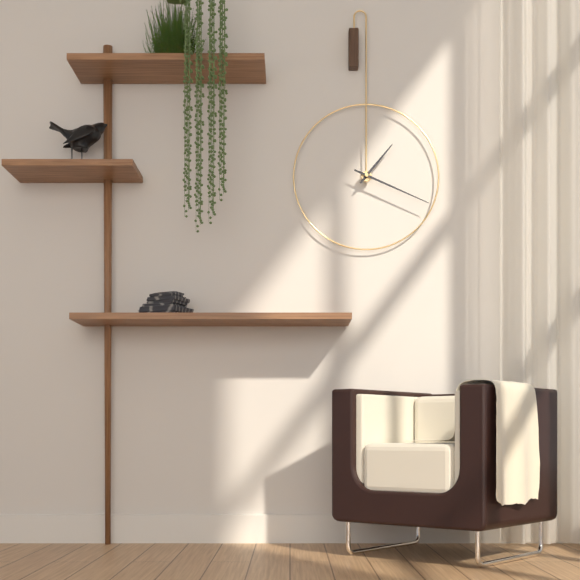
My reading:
1 h 19 min
